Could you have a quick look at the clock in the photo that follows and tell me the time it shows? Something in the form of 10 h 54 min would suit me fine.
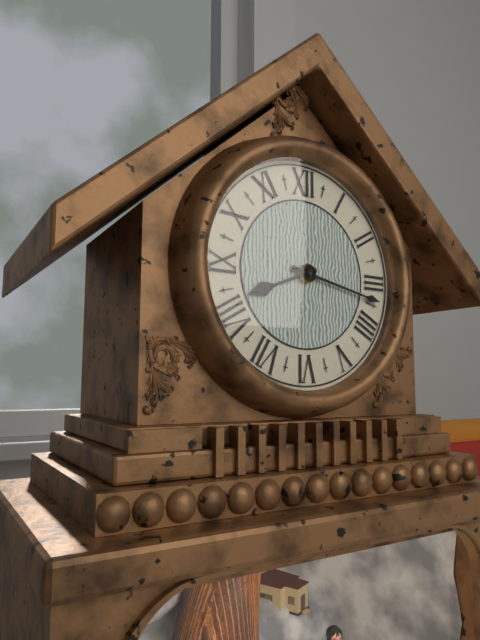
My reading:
8 h 17 min
